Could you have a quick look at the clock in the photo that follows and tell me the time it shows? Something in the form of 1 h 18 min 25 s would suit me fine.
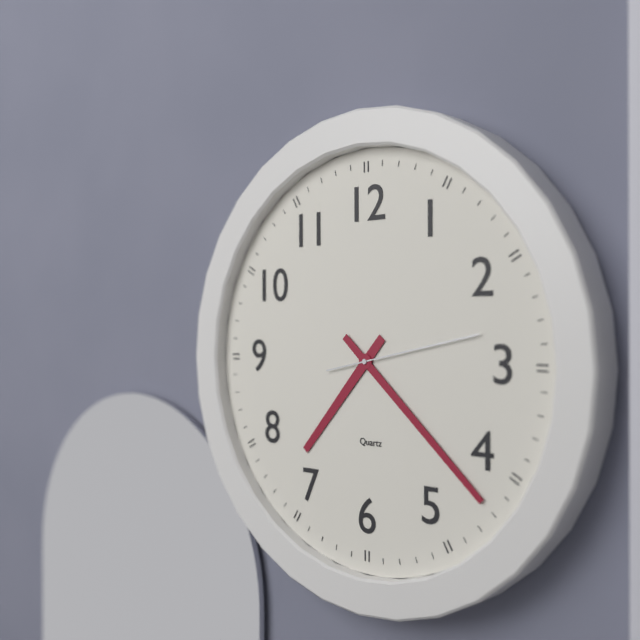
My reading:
7 h 22 min 13 s
